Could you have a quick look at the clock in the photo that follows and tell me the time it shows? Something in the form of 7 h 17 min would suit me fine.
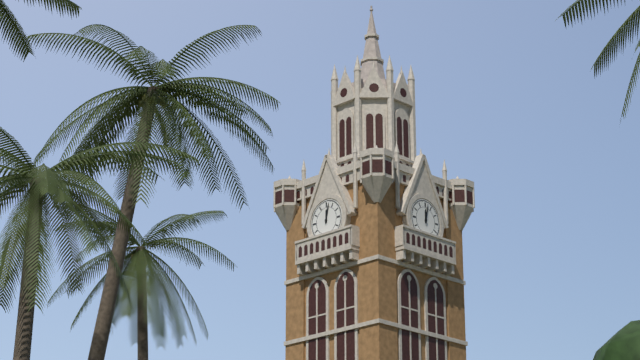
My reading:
12 h 02 min
